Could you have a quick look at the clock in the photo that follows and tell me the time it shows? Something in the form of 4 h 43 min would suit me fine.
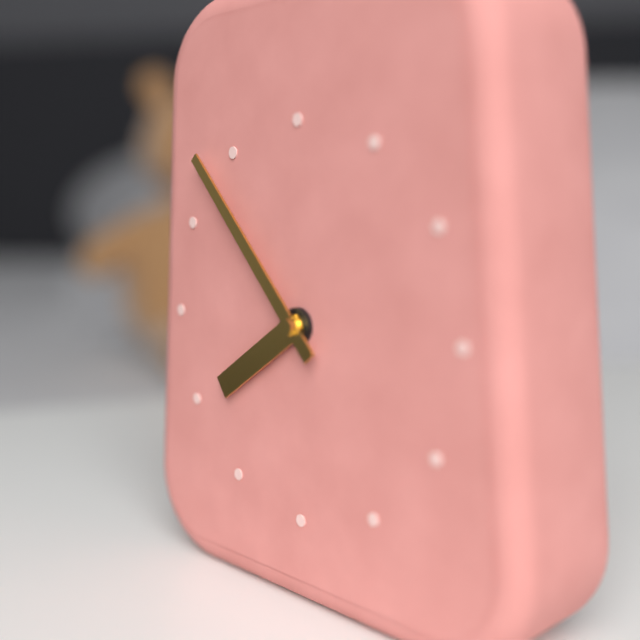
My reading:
7 h 53 min
